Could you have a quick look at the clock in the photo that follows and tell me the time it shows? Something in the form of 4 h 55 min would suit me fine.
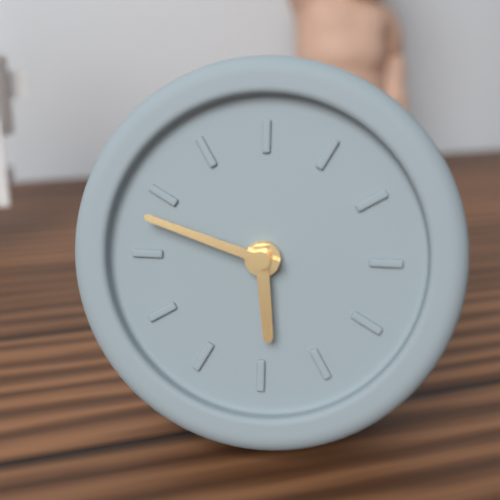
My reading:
5 h 48 min
